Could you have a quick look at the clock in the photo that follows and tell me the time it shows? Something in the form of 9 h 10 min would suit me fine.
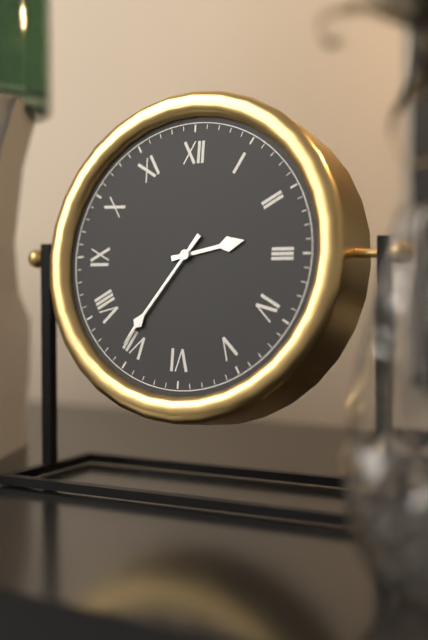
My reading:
2 h 36 min
